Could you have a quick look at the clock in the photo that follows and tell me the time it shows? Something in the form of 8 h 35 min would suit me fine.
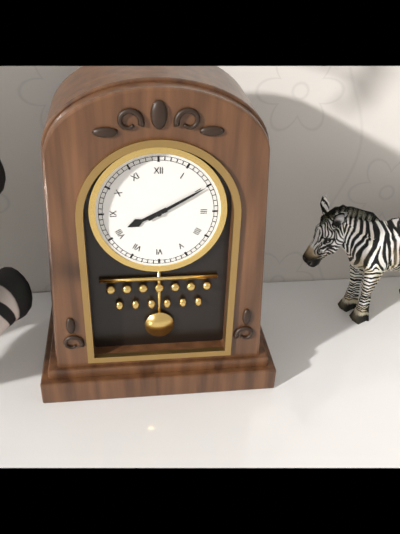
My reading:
8 h 10 min
